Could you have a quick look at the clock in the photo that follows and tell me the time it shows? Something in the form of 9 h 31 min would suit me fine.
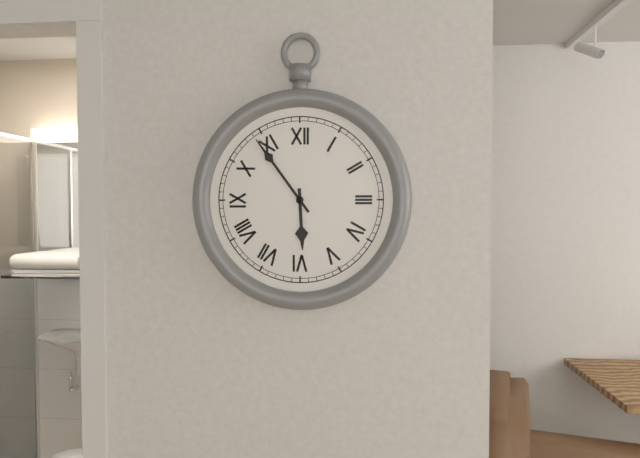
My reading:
5 h 54 min
